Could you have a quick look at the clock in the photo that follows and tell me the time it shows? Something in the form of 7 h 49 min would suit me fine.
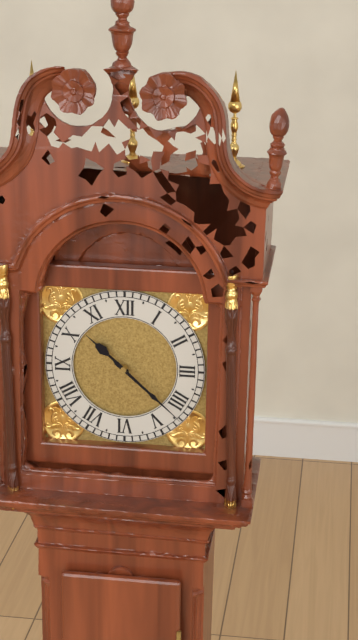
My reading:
10 h 22 min
